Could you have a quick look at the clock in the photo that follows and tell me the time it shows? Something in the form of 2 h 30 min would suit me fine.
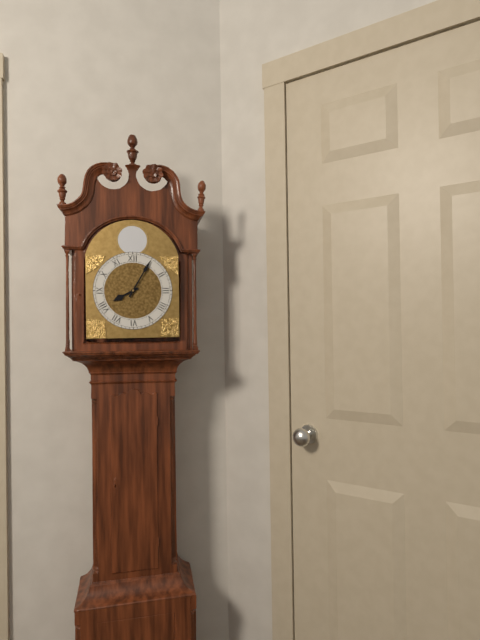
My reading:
8 h 05 min
